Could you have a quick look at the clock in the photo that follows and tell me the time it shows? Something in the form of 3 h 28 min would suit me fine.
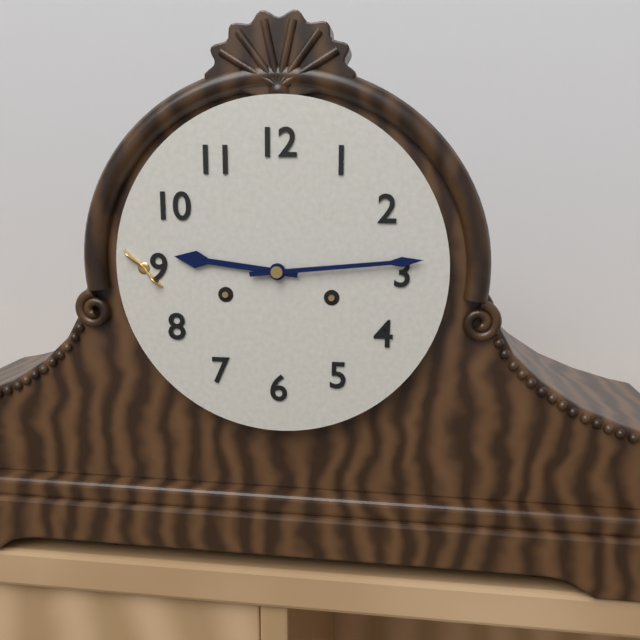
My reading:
9 h 14 min
